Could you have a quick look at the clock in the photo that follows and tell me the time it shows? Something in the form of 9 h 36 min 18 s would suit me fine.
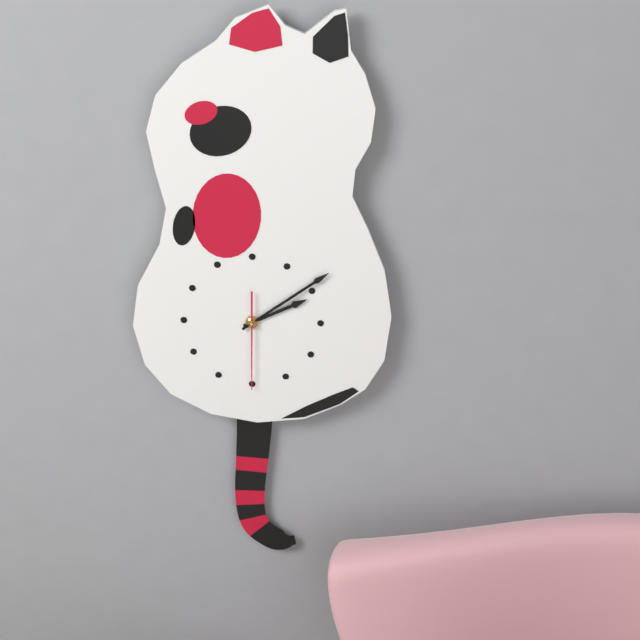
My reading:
2 h 09 min 30 s
